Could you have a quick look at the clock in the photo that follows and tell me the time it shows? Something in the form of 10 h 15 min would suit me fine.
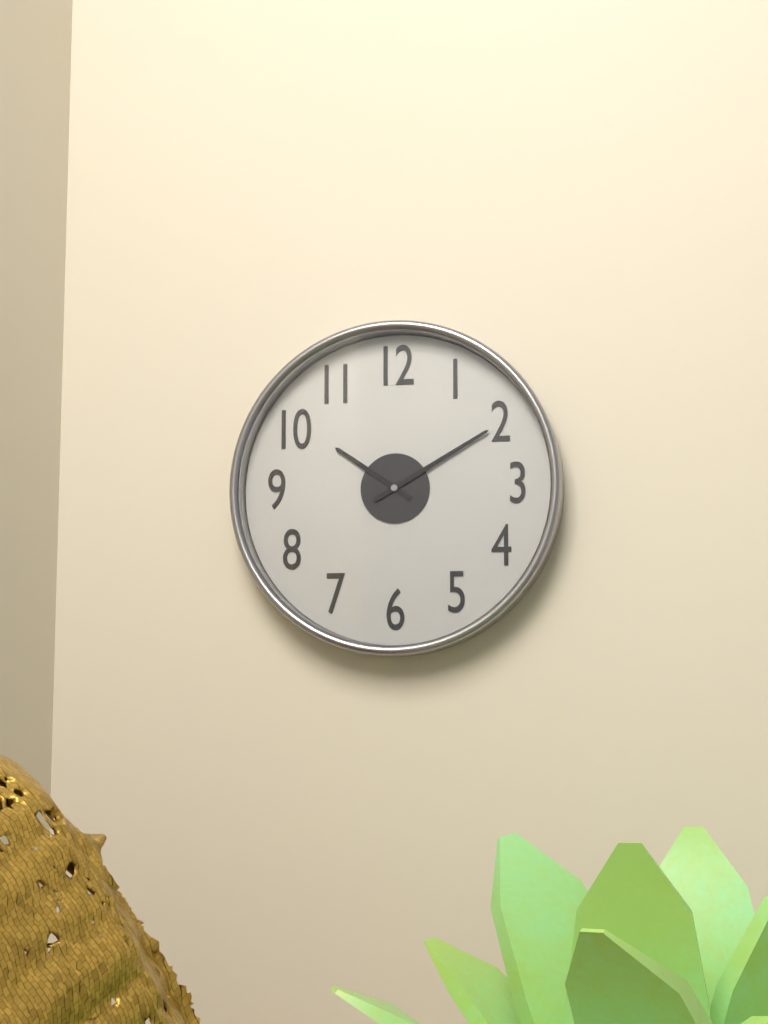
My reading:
10 h 10 min
